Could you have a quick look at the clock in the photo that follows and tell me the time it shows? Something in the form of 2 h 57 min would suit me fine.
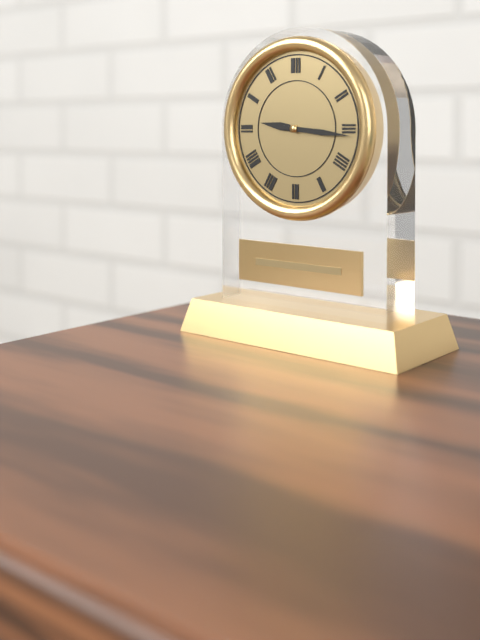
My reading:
9 h 16 min
